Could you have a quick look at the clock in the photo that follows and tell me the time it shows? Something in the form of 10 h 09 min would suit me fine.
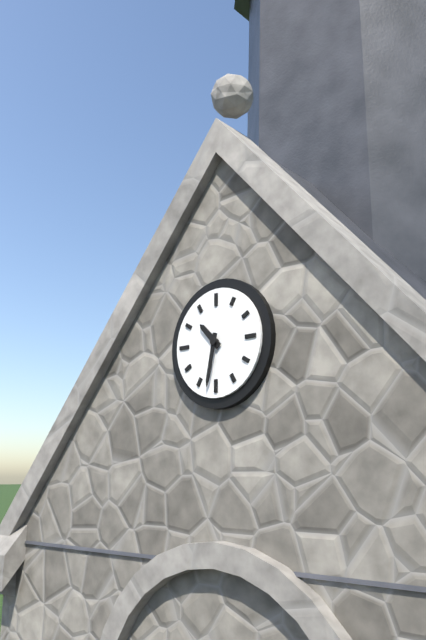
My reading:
10 h 32 min
